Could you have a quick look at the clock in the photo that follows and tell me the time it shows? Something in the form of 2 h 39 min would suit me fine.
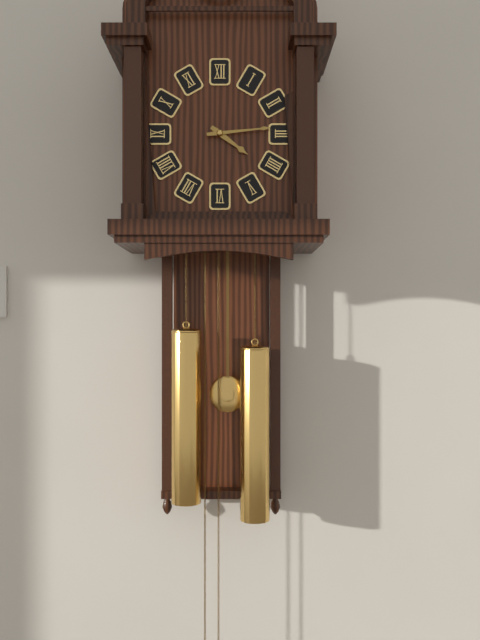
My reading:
4 h 14 min
